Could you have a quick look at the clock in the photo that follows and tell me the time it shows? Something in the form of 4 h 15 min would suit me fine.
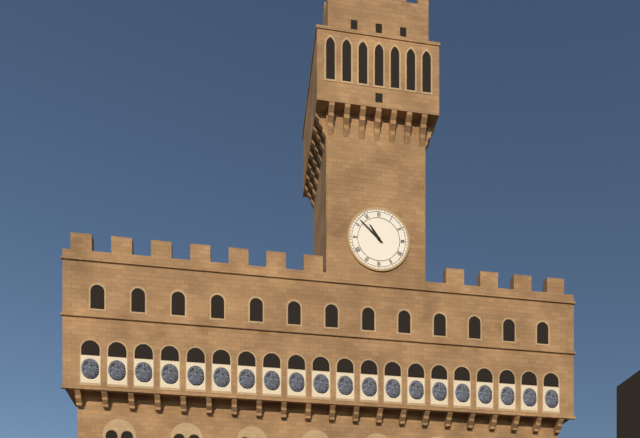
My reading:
10 h 52 min
